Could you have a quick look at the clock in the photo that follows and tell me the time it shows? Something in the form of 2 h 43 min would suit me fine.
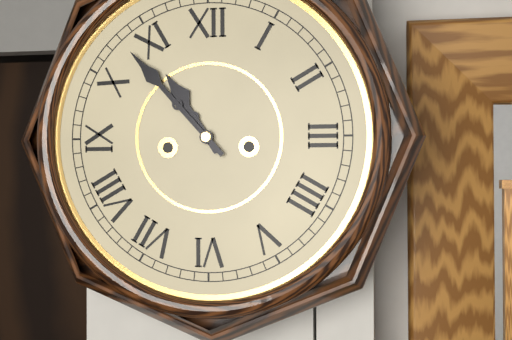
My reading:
10 h 53 min
